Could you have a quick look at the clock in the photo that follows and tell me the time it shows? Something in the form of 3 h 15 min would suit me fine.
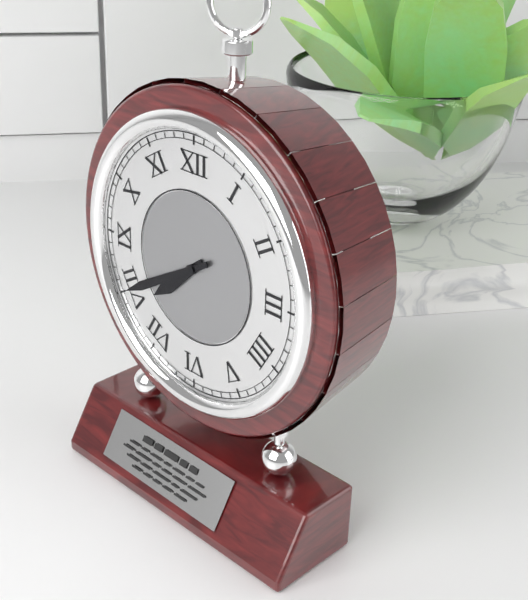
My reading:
7 h 40 min
